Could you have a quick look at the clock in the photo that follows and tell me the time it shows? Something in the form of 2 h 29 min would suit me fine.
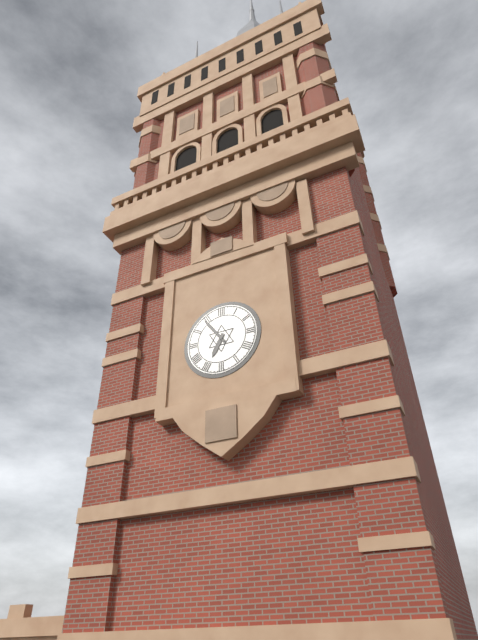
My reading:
6 h 54 min
